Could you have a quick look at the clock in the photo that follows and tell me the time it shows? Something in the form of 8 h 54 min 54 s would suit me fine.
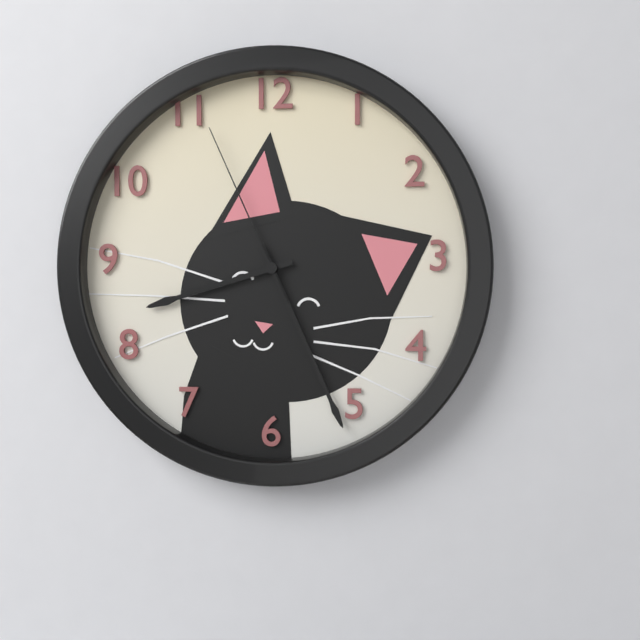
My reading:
8 h 26 min 56 s
